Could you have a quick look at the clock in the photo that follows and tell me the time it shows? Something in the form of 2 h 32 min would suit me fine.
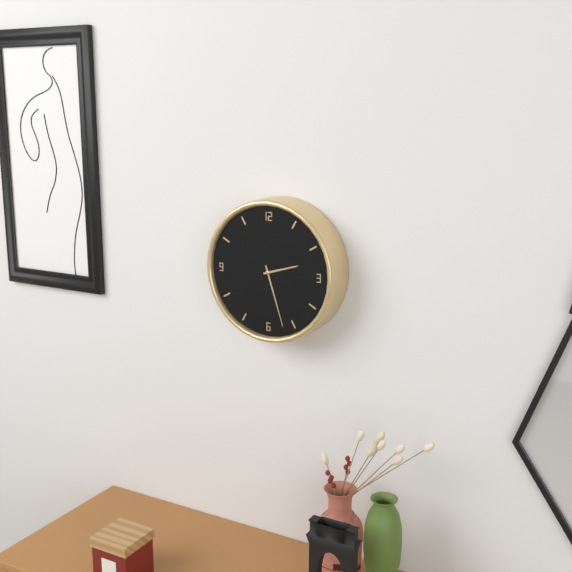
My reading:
2 h 27 min
